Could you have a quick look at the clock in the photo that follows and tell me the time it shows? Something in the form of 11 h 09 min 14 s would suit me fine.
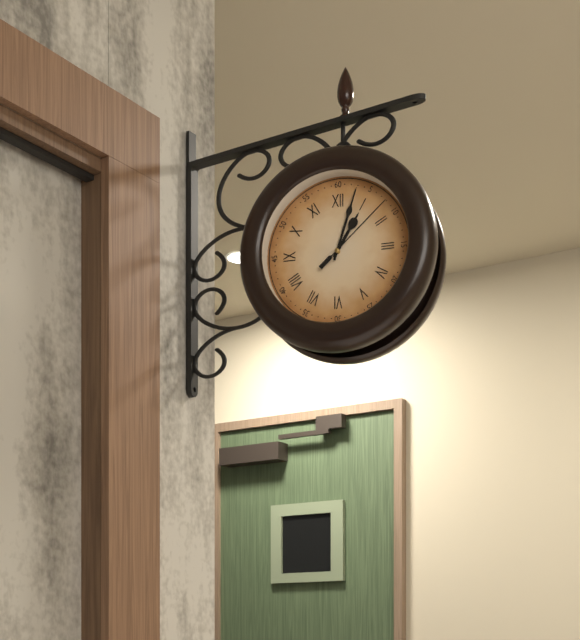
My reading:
1 h 03 min 08 s
